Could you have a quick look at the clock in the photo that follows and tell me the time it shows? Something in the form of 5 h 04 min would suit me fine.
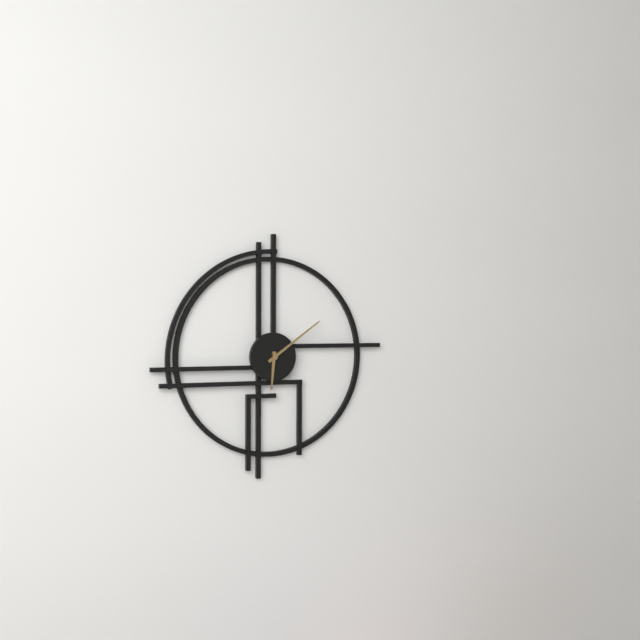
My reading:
6 h 09 min
